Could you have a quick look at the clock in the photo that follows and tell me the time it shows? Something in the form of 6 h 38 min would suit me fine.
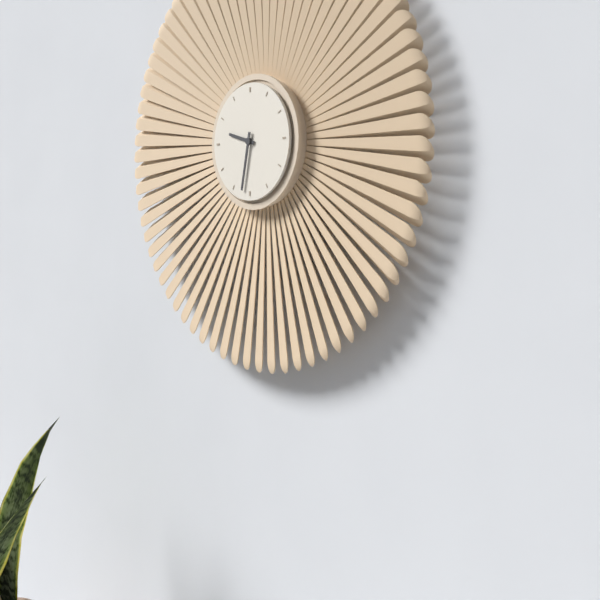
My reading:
9 h 32 min
